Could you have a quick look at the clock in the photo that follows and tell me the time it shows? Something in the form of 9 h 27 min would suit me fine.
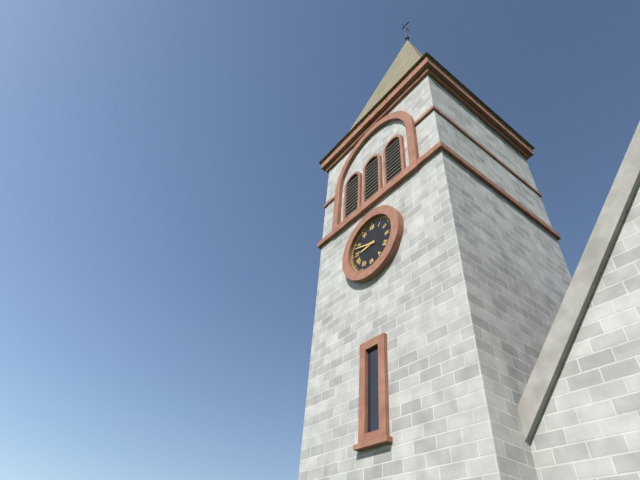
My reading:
8 h 48 min
